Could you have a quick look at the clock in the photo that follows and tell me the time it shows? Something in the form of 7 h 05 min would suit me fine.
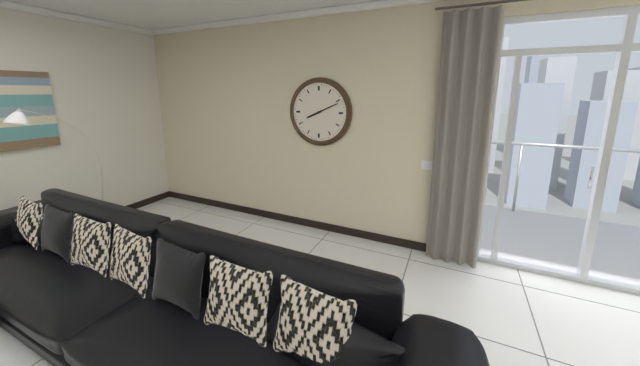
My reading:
8 h 11 min
